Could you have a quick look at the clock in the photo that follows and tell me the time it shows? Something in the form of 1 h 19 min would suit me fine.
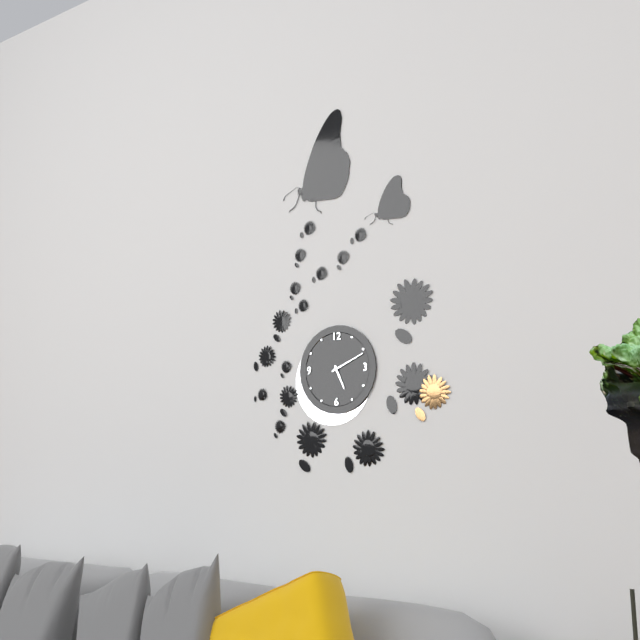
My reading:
5 h 11 min
